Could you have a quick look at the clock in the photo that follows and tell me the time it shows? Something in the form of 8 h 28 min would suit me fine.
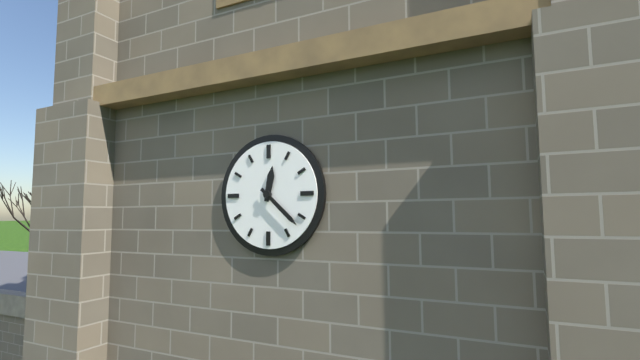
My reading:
12 h 22 min
